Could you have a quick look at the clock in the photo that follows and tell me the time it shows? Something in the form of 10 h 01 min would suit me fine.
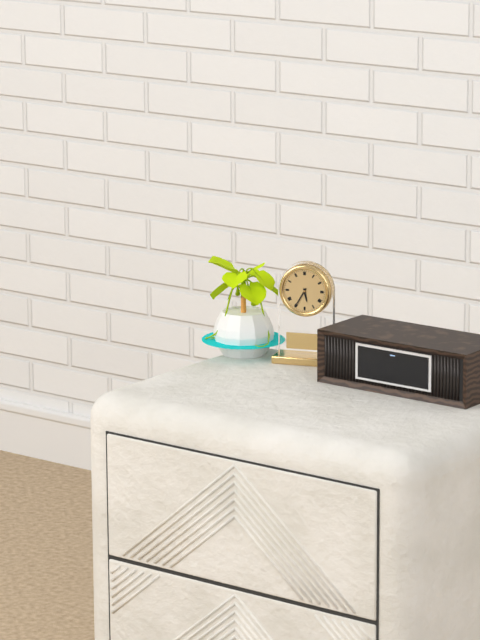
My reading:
5 h 35 min
